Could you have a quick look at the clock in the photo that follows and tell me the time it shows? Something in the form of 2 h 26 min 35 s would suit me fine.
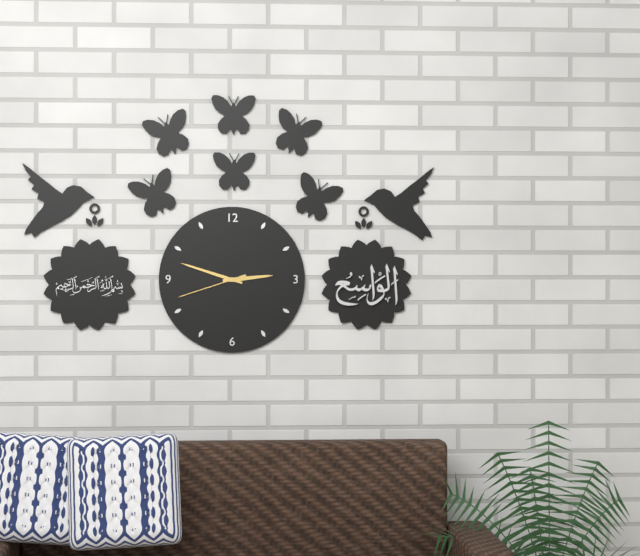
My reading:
2 h 48 min 42 s
